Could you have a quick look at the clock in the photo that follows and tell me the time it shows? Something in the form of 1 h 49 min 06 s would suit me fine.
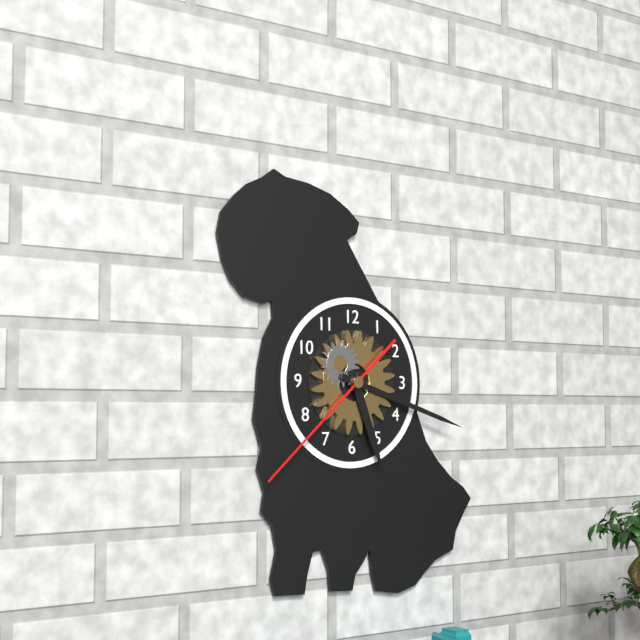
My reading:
5 h 18 min 38 s
